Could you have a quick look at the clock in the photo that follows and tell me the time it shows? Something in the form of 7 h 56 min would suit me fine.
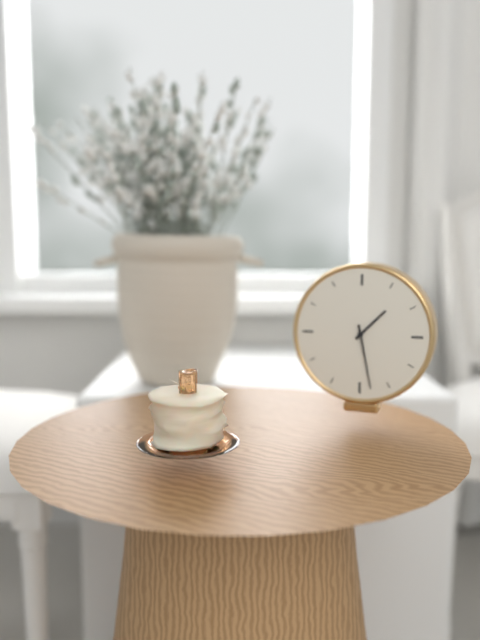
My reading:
1 h 28 min
